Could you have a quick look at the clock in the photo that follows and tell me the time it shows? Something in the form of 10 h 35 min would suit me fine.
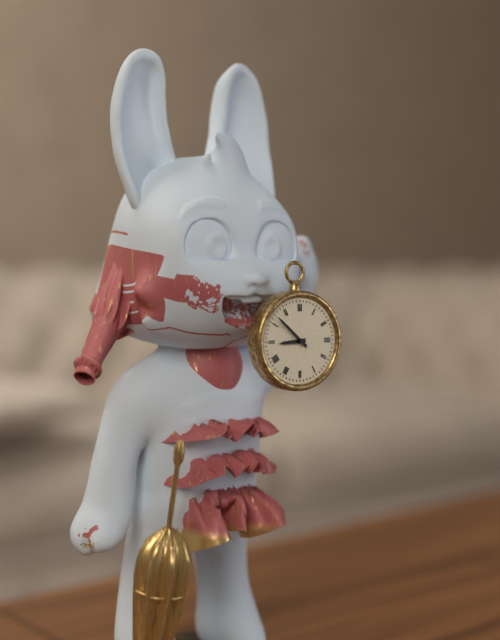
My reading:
8 h 52 min
